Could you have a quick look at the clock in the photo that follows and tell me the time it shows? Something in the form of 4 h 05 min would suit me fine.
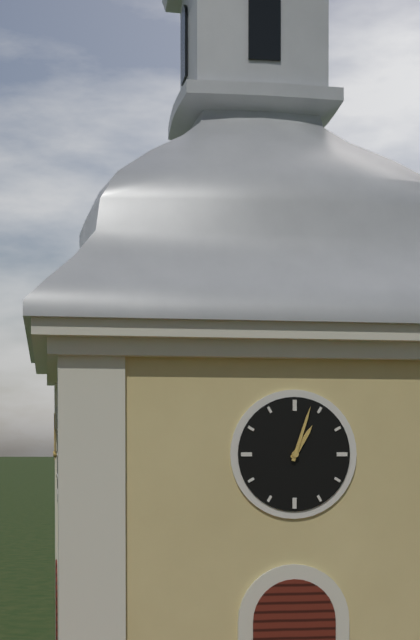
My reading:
1 h 03 min
